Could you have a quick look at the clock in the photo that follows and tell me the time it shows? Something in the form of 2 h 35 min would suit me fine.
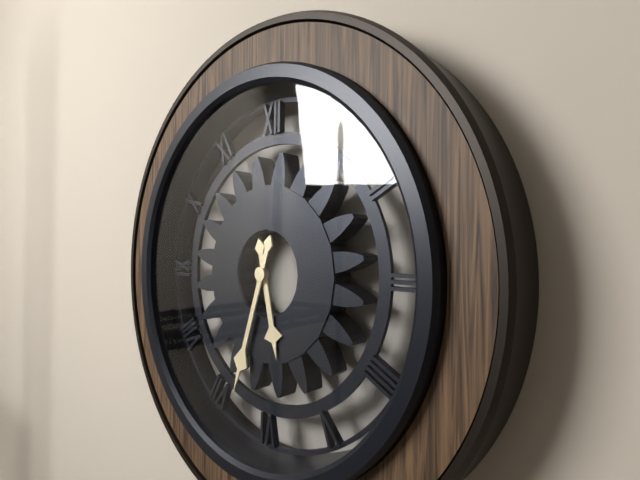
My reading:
5 h 33 min
